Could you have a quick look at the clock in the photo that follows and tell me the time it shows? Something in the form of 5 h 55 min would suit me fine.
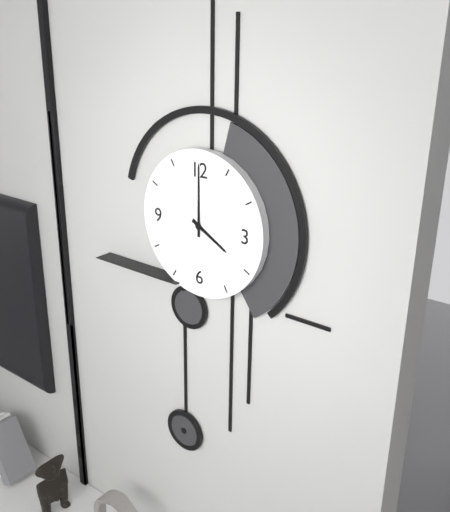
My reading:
4 h 00 min
